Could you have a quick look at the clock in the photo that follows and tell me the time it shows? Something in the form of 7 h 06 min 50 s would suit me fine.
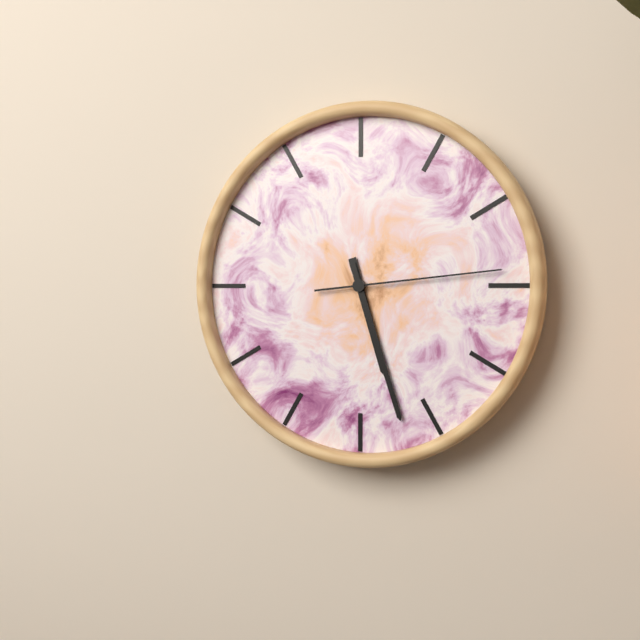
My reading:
5 h 27 min 14 s
